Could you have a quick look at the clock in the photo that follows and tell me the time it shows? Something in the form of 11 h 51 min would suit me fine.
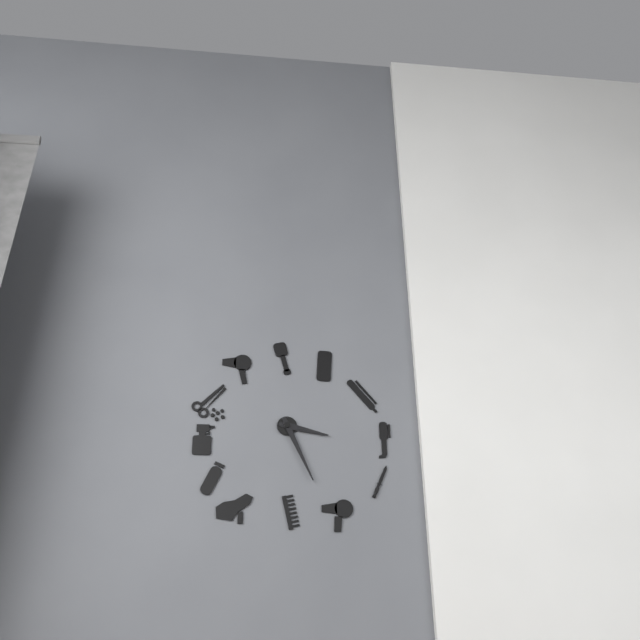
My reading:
3 h 26 min
